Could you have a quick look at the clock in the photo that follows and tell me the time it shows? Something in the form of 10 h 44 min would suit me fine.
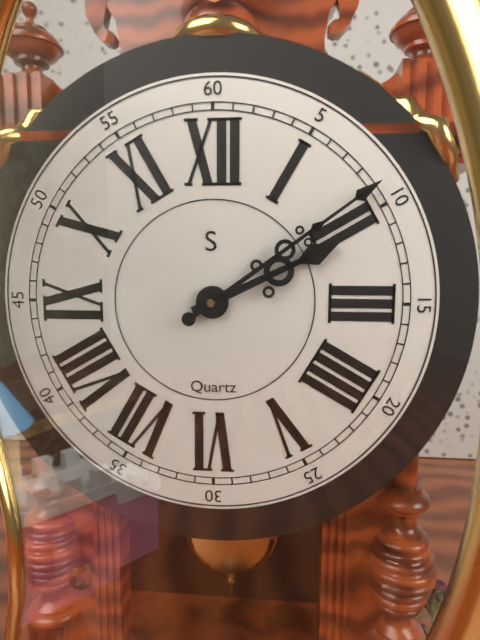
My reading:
2 h 09 min
